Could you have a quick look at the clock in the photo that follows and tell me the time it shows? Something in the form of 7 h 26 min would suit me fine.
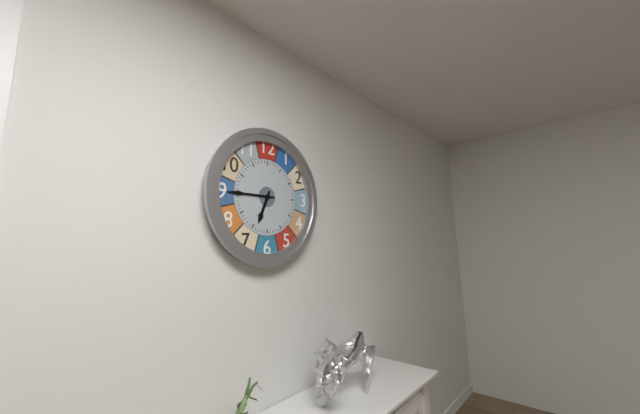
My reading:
6 h 45 min
